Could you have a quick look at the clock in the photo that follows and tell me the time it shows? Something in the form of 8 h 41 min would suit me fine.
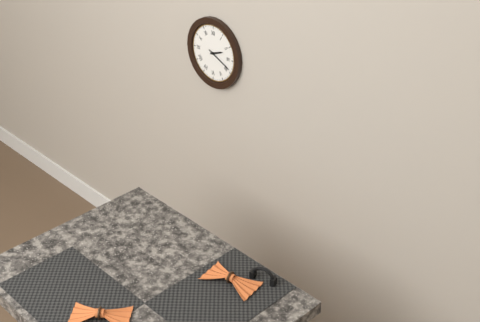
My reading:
2 h 19 min
